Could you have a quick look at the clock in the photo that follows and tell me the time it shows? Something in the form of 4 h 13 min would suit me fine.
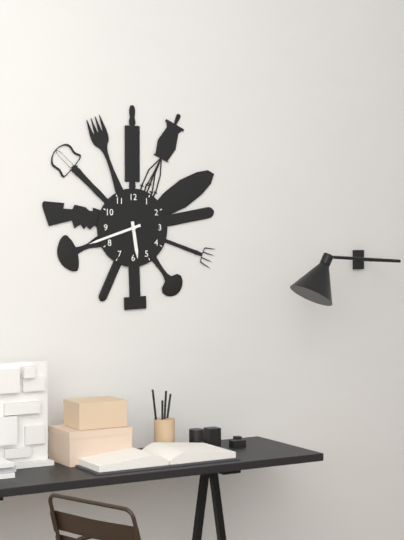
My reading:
5 h 42 min
